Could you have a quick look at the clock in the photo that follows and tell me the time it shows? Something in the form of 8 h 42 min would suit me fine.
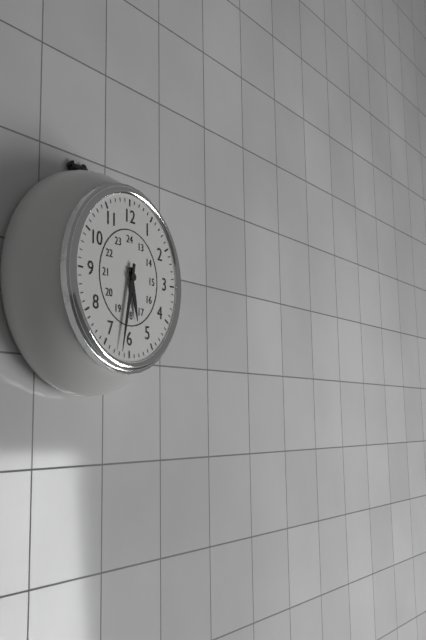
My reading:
5 h 32 min
